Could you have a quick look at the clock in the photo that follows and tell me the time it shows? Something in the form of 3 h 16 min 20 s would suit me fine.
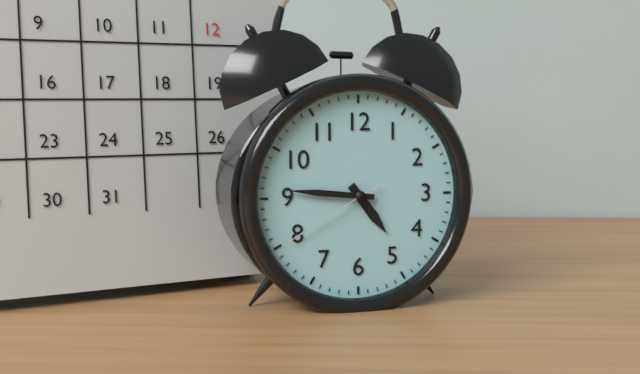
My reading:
4 h 46 min 40 s
